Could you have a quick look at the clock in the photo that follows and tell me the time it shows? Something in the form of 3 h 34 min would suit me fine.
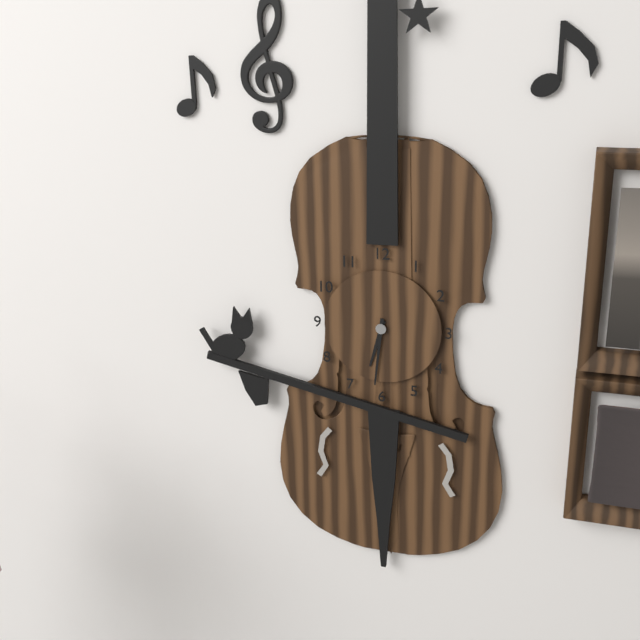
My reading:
6 h 31 min
